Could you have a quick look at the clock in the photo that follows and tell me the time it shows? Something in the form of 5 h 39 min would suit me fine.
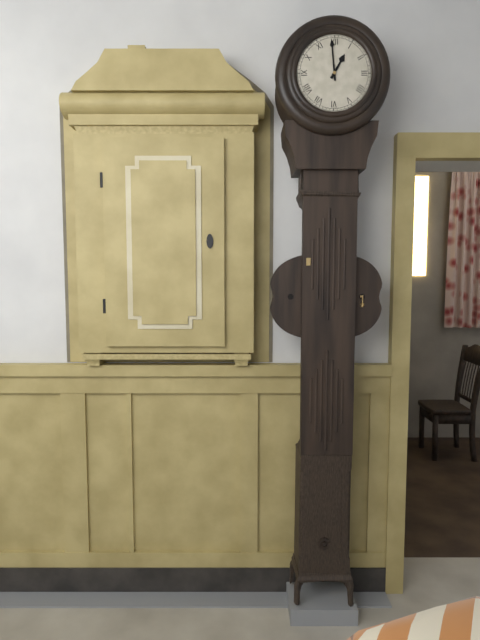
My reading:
12 h 59 min
